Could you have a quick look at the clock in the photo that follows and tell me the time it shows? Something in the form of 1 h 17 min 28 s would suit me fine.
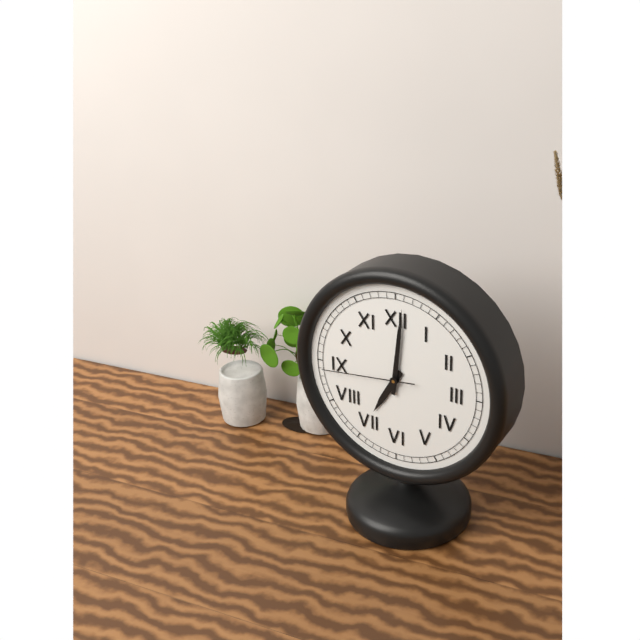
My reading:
7 h 01 min 44 s
